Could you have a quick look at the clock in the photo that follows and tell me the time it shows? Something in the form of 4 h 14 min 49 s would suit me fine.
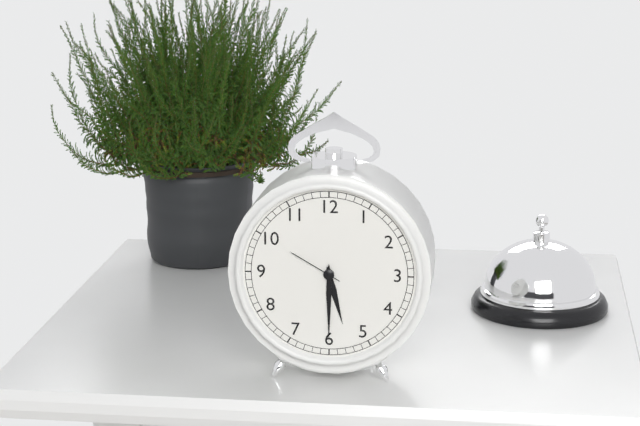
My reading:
5 h 30 min 50 s
